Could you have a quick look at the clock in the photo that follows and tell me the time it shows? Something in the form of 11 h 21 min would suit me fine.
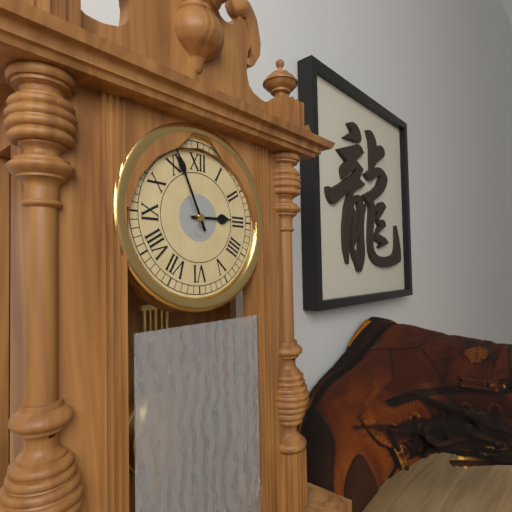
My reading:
2 h 56 min
